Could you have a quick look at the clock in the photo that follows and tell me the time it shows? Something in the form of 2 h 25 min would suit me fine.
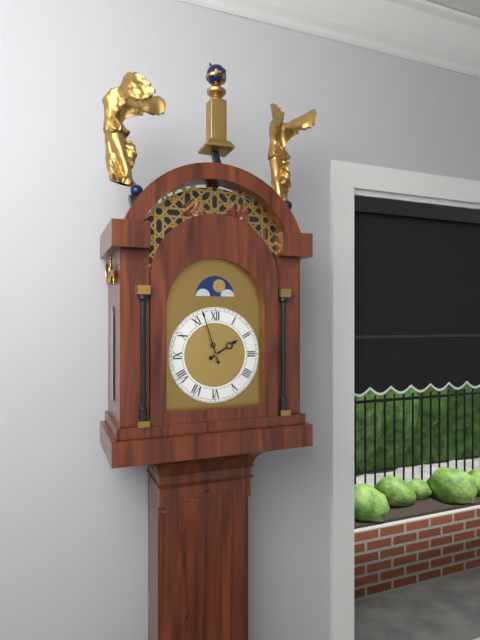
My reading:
1 h 57 min
